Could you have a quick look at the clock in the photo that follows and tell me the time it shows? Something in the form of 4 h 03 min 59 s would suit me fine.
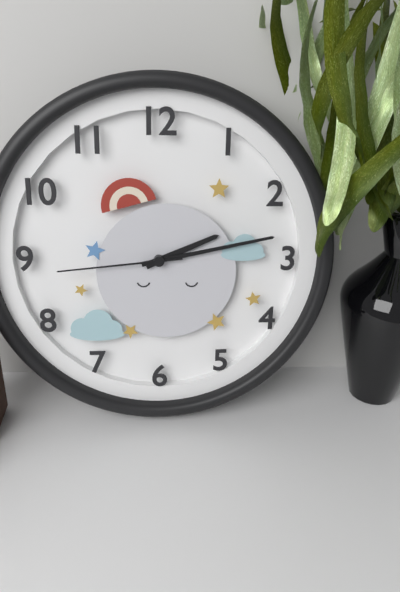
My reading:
2 h 13 min 44 s
